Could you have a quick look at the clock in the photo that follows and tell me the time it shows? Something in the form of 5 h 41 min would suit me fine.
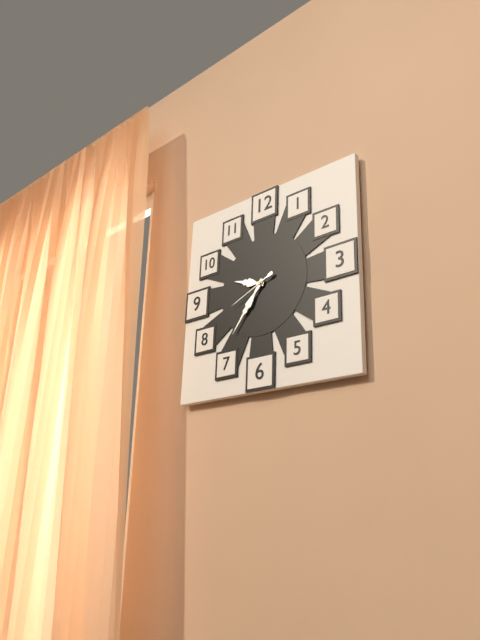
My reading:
9 h 36 min
